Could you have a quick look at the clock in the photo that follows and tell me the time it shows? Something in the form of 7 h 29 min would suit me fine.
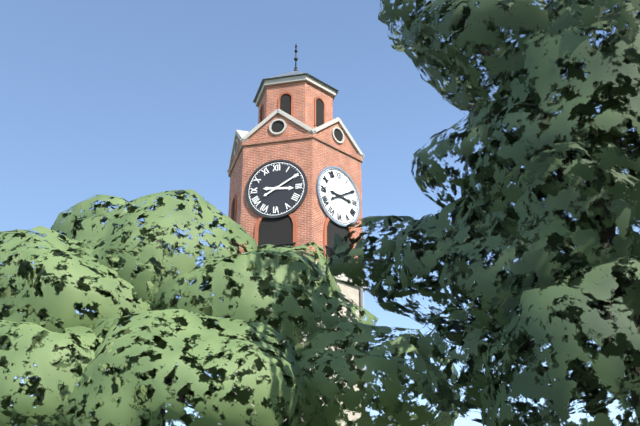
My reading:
3 h 10 min
